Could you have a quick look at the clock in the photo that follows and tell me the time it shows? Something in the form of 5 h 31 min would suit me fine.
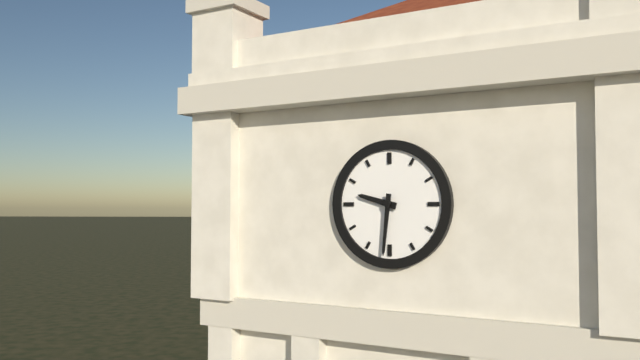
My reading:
9 h 31 min
